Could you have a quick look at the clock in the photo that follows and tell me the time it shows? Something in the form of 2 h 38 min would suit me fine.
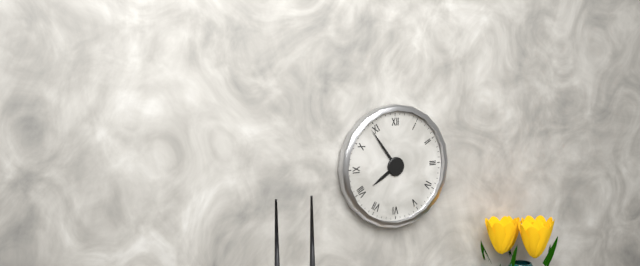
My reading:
7 h 54 min
